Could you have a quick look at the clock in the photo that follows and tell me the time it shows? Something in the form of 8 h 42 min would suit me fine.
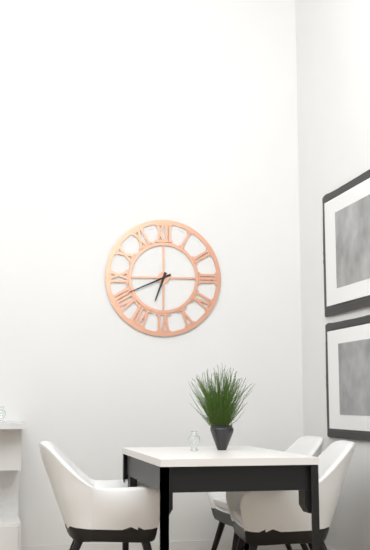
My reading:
6 h 41 min
